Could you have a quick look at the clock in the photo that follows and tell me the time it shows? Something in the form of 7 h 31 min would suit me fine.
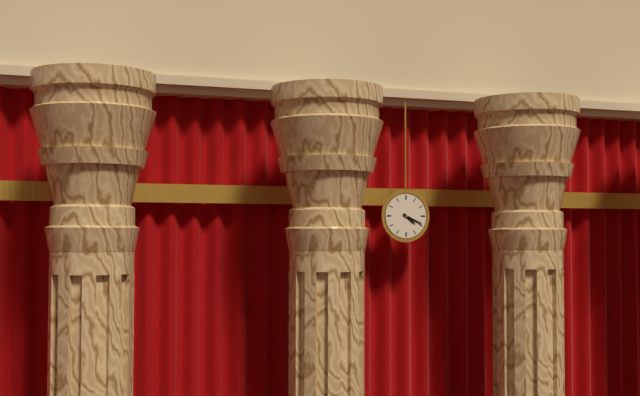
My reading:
4 h 19 min
